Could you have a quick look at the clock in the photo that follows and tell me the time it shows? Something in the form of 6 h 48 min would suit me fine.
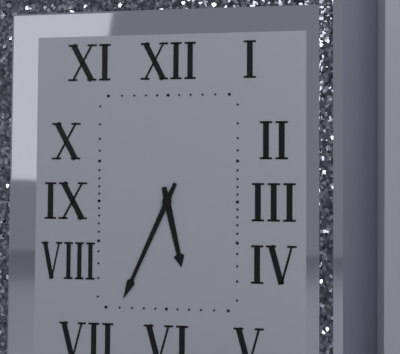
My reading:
5 h 34 min
